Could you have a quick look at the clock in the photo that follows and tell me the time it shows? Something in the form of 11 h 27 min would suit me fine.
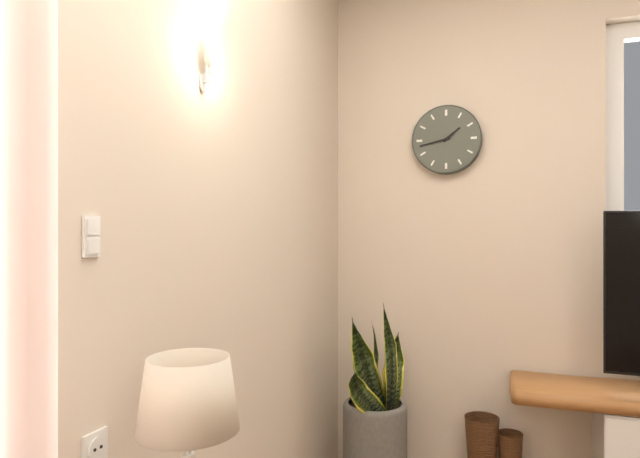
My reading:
1 h 43 min
